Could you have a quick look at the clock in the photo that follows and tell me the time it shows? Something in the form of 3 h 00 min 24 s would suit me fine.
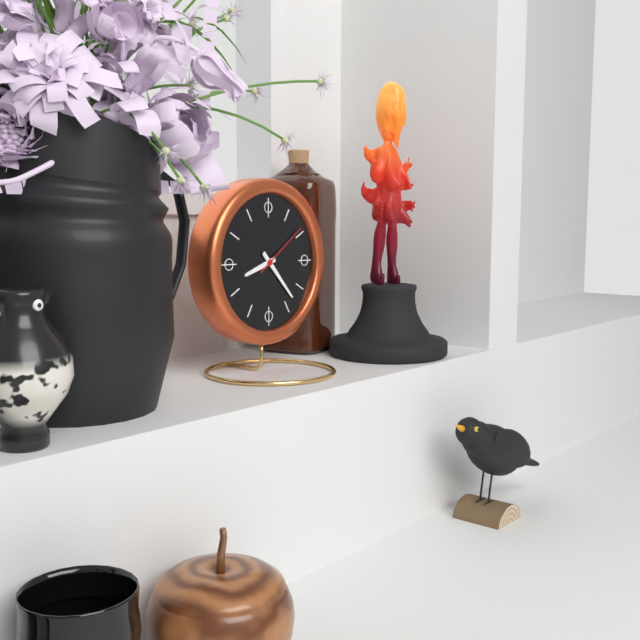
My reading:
8 h 23 min 09 s
